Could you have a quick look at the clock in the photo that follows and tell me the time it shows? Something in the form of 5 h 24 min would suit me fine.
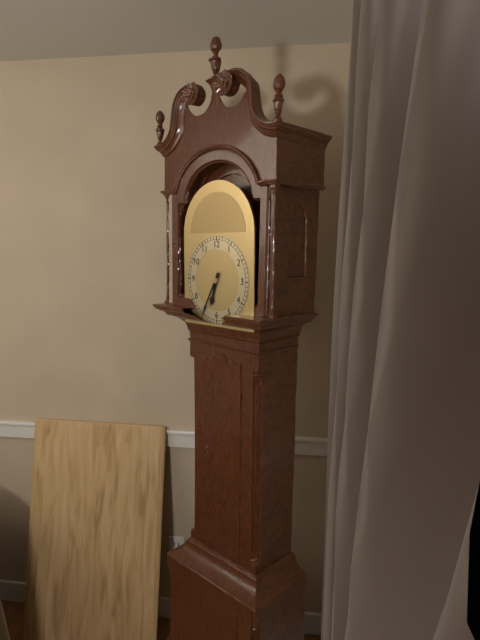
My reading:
6 h 35 min
